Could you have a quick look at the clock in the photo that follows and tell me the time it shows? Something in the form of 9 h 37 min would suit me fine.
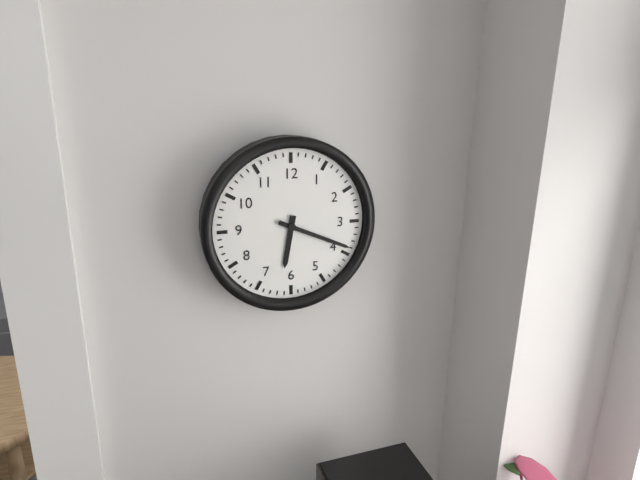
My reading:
6 h 19 min
